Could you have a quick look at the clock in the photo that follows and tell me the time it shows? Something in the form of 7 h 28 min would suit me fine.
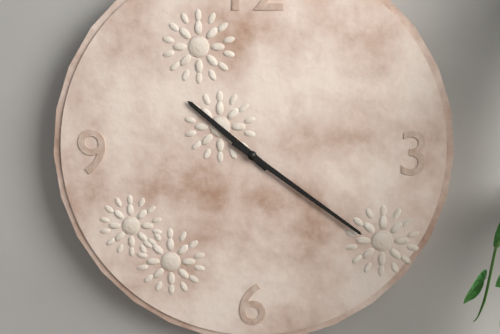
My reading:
10 h 21 min
